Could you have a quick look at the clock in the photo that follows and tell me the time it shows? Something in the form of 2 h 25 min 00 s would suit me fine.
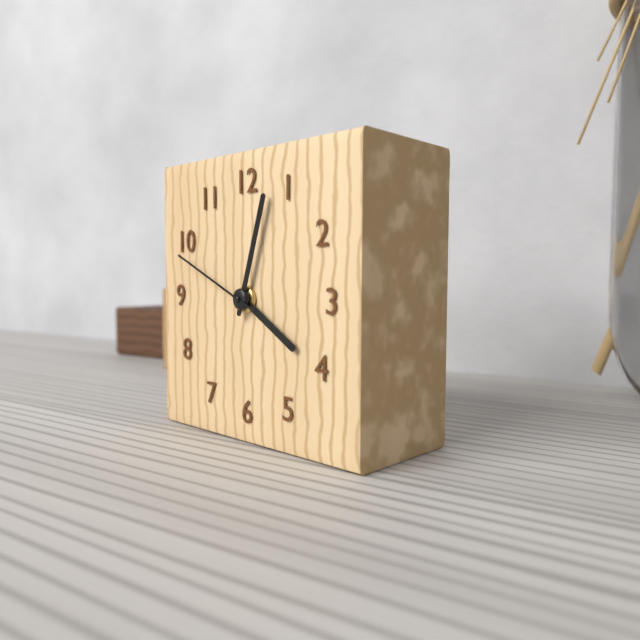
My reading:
4 h 03 min 49 s
